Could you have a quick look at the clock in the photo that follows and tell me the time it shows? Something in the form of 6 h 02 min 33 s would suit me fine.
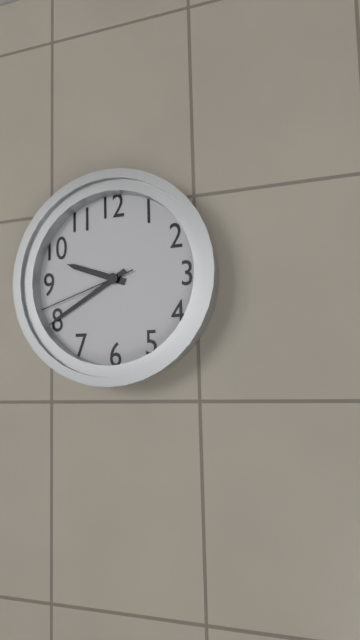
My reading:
9 h 40 min 42 s
